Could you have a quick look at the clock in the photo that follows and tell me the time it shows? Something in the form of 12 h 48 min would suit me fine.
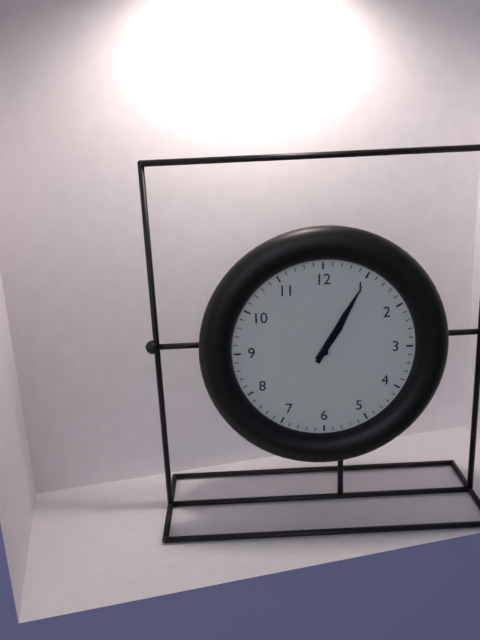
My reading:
1 h 05 min
